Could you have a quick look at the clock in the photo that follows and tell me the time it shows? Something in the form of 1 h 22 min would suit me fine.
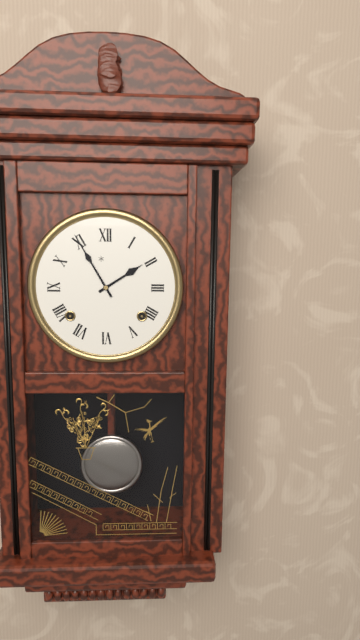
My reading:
1 h 55 min
